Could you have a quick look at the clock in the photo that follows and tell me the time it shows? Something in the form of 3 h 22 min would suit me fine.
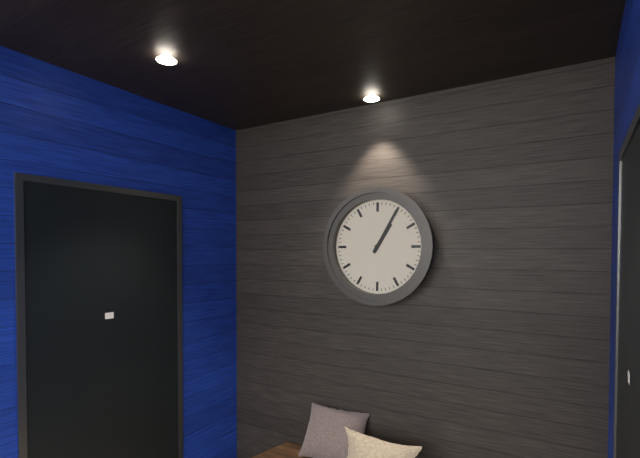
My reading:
1 h 05 min
